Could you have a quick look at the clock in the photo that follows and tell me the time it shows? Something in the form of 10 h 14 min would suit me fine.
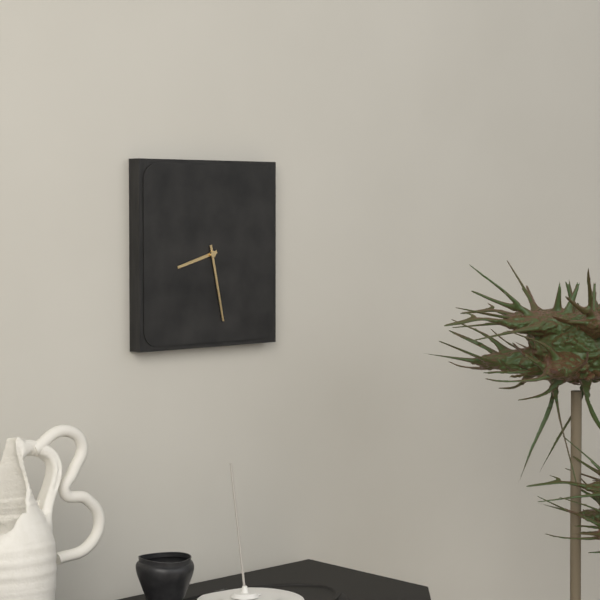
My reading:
8 h 28 min
